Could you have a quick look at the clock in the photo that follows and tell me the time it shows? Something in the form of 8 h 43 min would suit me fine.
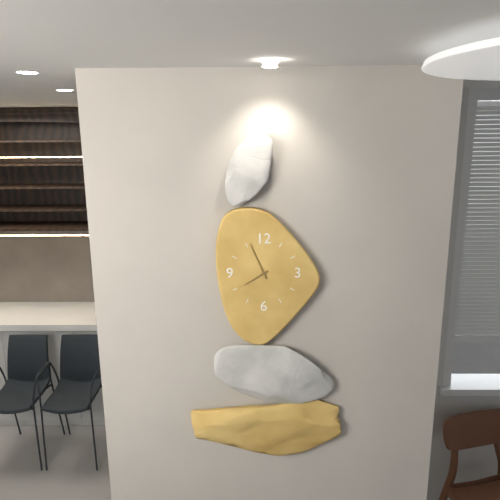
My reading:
7 h 56 min
